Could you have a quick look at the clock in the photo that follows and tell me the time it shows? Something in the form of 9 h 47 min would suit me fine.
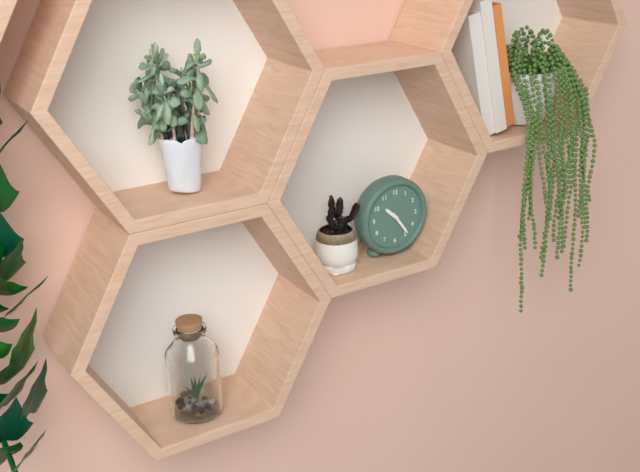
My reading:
10 h 24 min
